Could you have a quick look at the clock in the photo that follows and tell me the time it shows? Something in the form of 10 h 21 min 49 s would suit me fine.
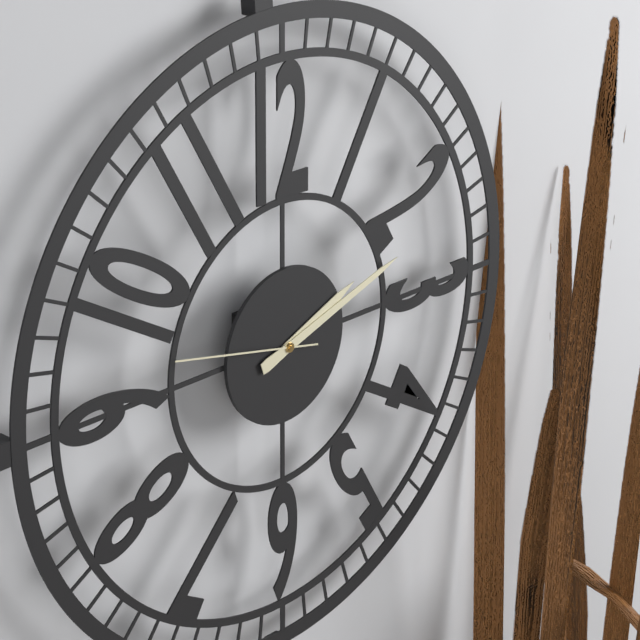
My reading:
2 h 12 min 47 s
